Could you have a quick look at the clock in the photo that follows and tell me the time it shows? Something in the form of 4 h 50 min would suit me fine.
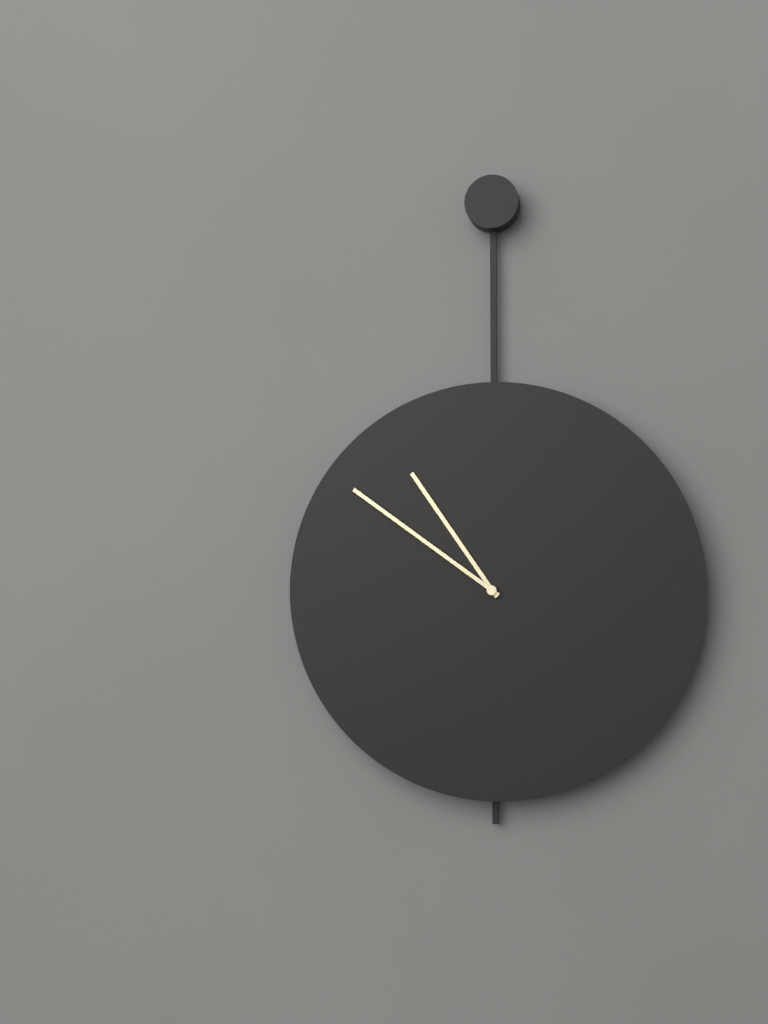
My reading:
10 h 51 min
